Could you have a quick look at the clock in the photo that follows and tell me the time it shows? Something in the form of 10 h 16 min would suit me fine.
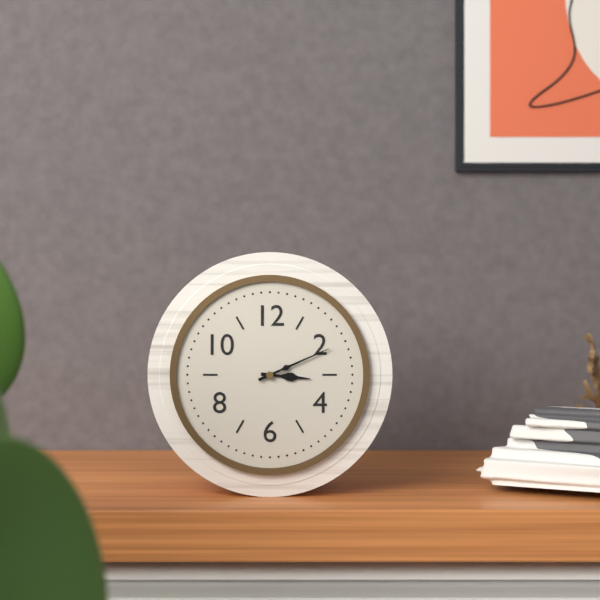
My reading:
3 h 11 min
